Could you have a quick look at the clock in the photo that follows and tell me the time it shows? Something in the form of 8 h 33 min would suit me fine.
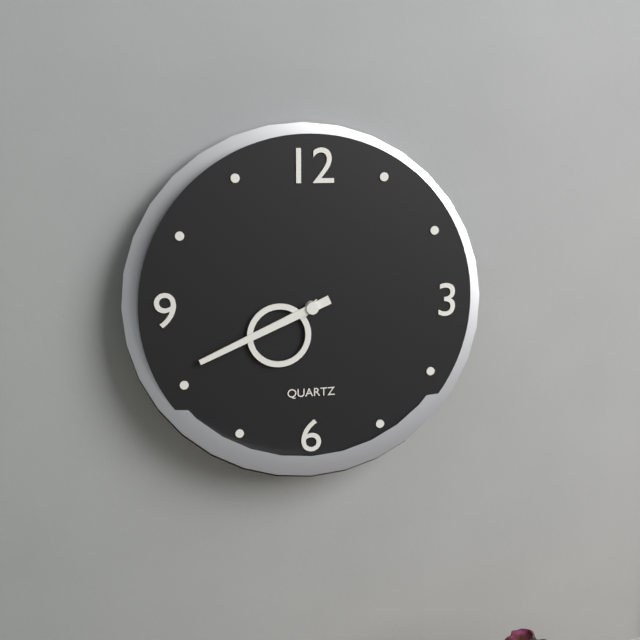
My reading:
7 h 41 min
